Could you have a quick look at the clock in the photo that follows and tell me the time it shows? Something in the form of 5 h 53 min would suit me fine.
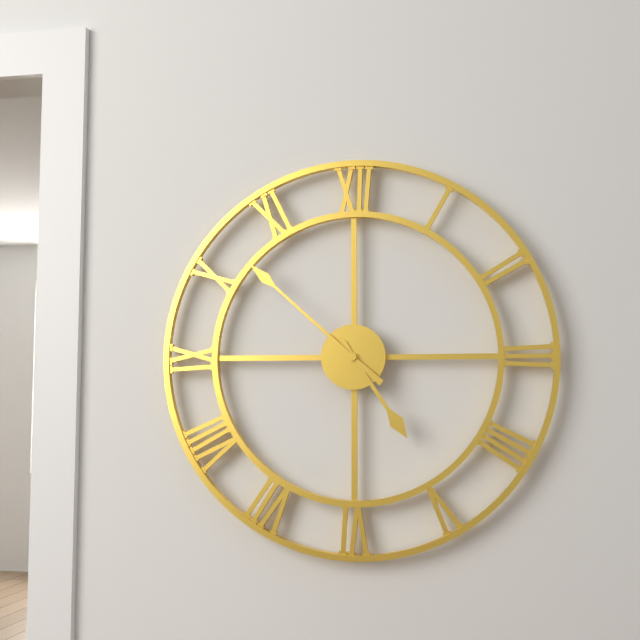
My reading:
4 h 52 min
